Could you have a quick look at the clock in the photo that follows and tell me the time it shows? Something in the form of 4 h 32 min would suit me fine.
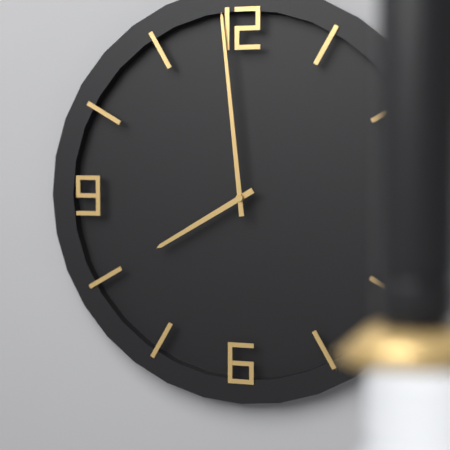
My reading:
7 h 59 min
